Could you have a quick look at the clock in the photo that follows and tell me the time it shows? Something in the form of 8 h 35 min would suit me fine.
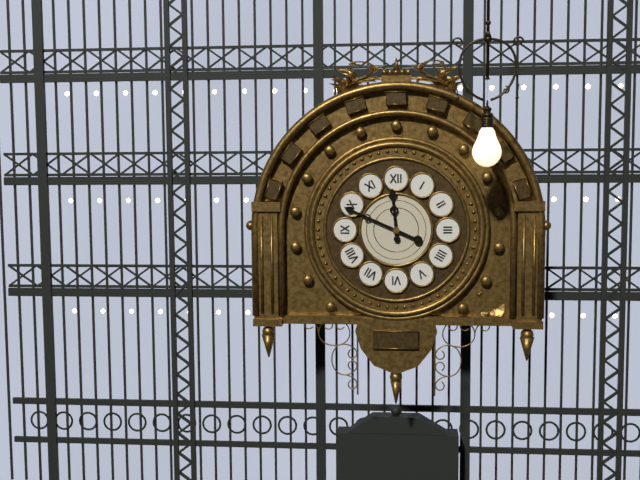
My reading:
11 h 49 min
